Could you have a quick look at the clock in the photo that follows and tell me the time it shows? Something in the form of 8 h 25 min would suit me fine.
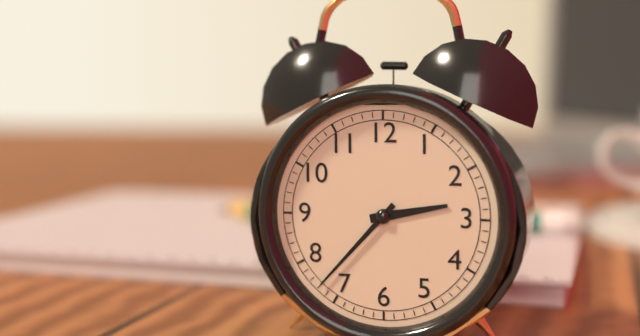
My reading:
2 h 37 min
